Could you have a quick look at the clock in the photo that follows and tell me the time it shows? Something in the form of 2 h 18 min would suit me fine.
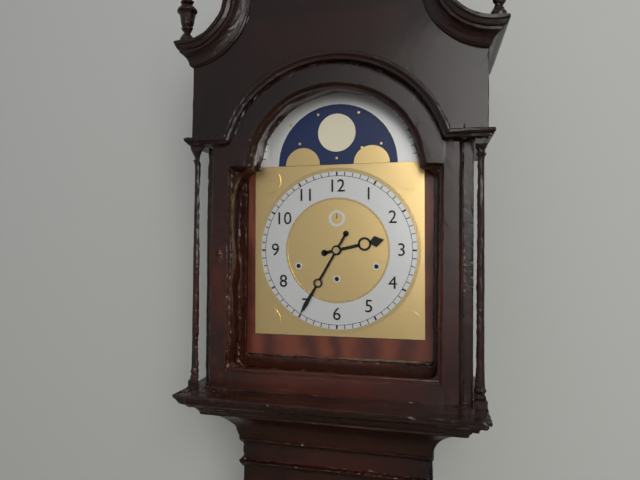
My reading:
2 h 35 min
